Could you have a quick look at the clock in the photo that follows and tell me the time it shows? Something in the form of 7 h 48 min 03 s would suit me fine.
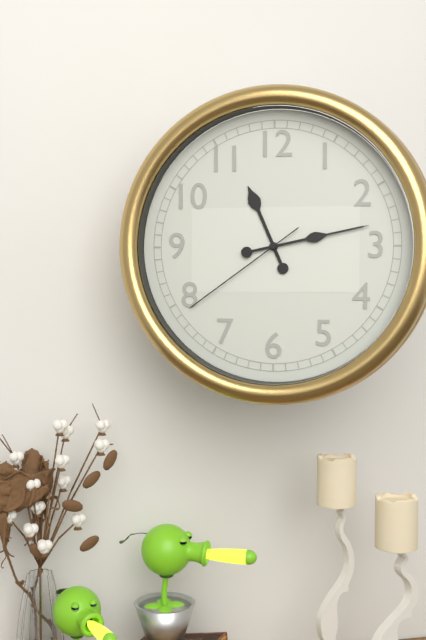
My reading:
11 h 13 min 39 s
